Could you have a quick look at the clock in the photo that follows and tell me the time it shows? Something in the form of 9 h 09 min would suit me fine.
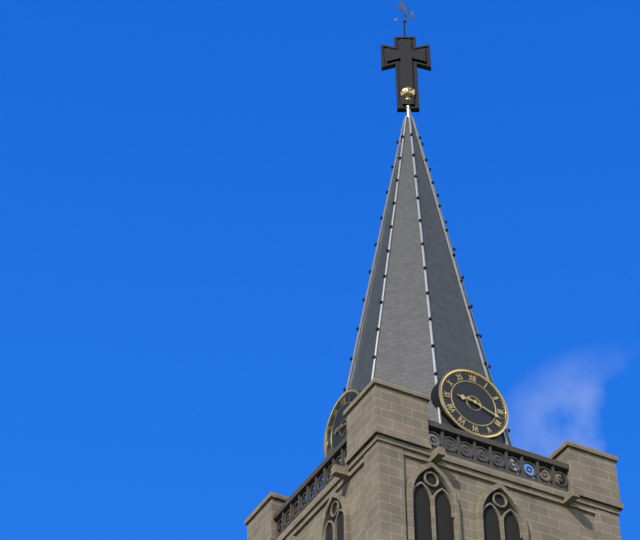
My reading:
9 h 18 min
